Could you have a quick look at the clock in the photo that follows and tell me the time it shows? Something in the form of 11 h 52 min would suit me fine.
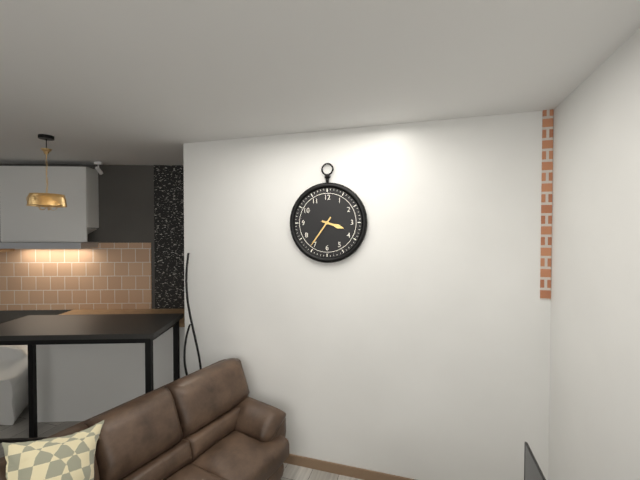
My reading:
3 h 36 min
